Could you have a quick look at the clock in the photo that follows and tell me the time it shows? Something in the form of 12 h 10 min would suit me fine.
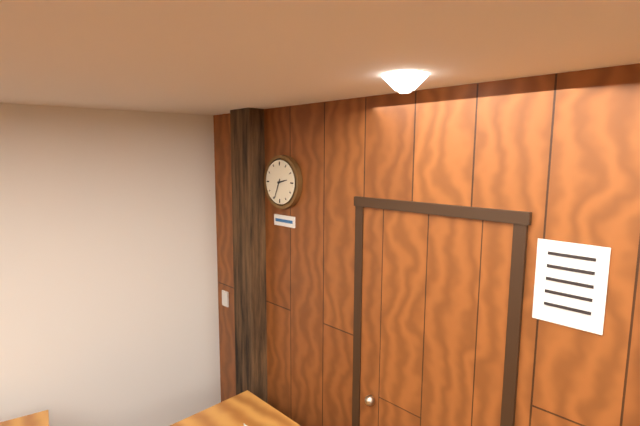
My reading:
2 h 34 min
